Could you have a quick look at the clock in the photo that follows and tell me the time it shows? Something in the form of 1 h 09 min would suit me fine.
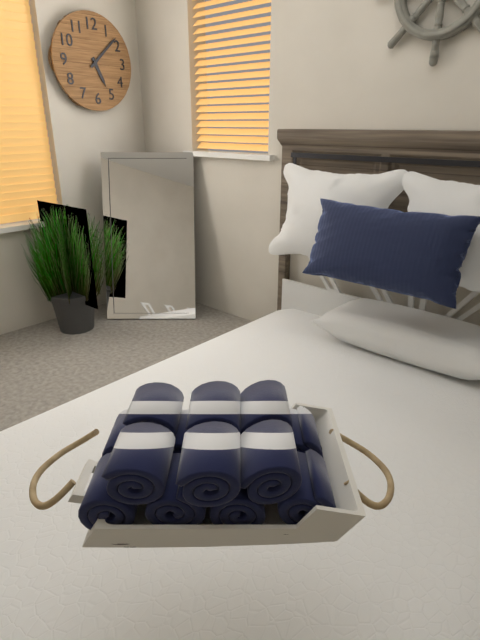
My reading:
5 h 08 min
